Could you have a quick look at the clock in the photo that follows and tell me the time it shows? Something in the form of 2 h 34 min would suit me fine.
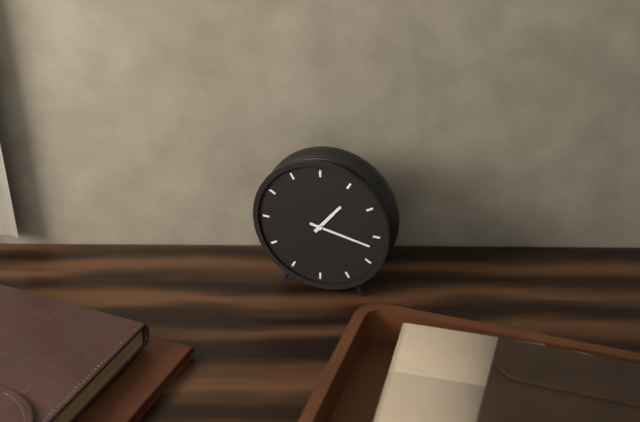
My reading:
1 h 17 min
